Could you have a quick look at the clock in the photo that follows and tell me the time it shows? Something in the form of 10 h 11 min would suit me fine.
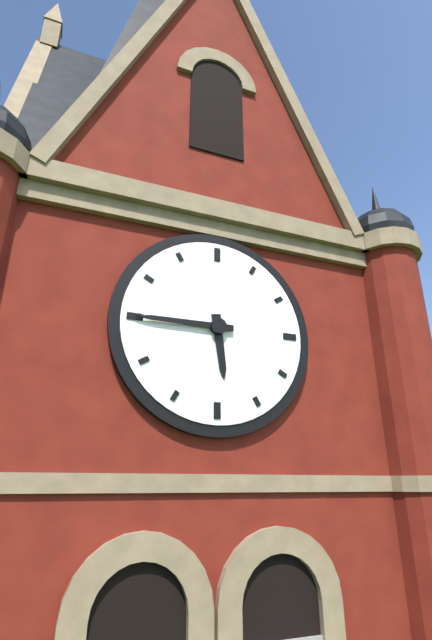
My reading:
5 h 45 min
